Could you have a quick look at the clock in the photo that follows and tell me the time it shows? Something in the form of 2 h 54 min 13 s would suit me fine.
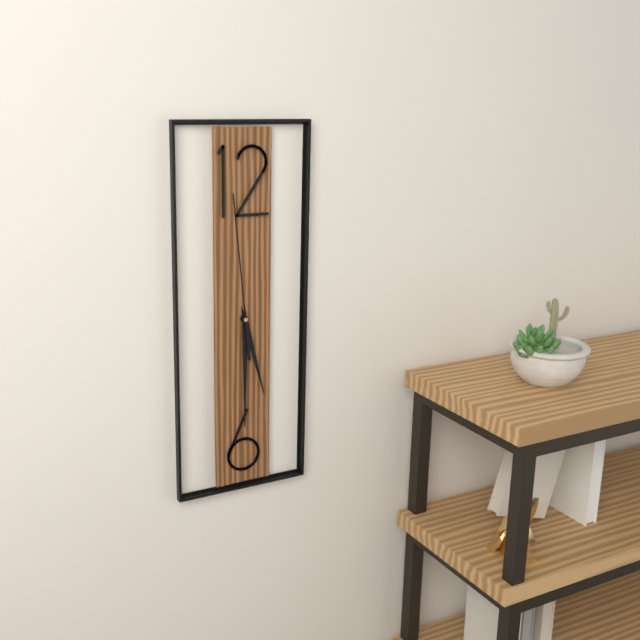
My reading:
5 h 30 min 59 s
